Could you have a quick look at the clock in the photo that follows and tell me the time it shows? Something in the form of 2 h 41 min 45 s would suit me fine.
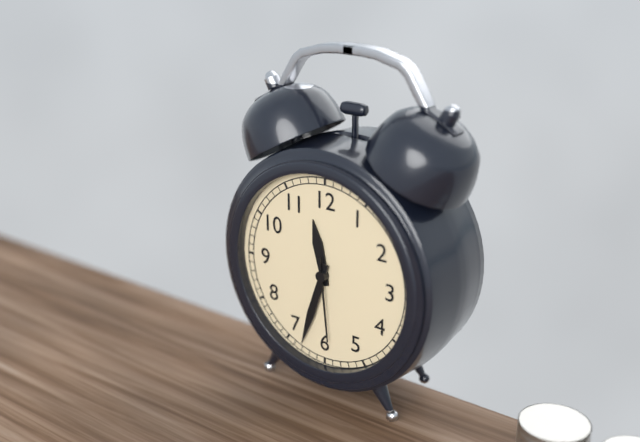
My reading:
11 h 33 min 29 s
